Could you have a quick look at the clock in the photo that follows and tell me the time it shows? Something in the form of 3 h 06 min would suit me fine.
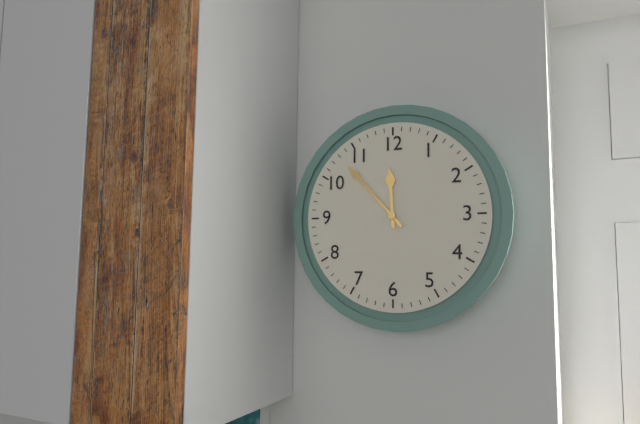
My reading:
11 h 53 min
